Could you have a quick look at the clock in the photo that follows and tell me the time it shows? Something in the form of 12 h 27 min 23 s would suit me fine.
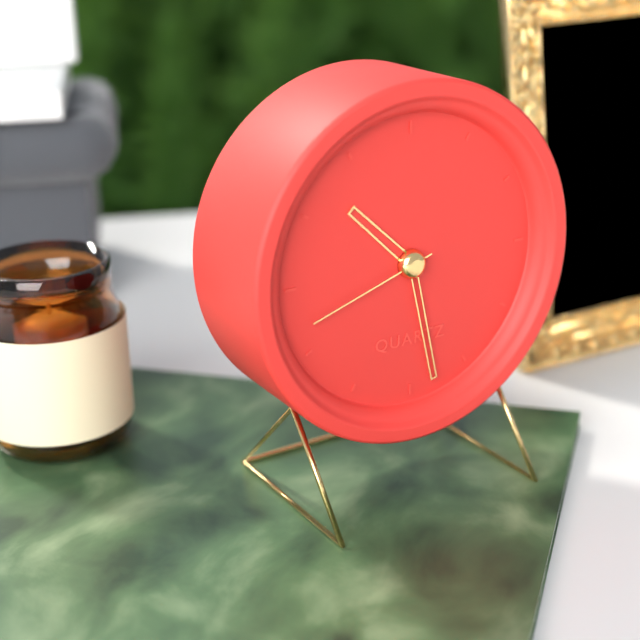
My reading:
10 h 28 min 42 s
